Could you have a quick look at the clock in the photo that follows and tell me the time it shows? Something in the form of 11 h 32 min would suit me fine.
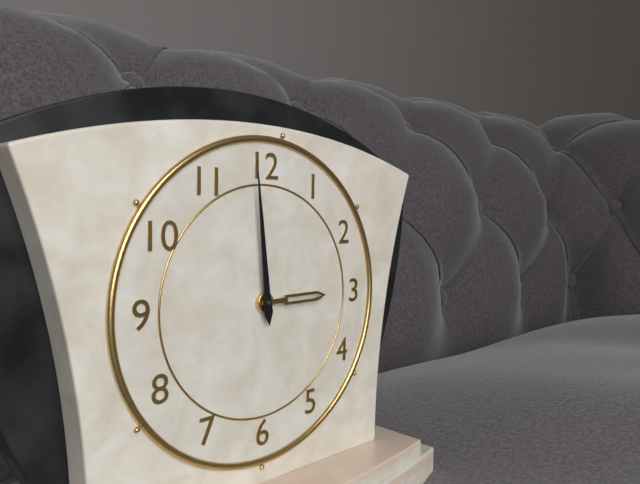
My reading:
2 h 59 min
